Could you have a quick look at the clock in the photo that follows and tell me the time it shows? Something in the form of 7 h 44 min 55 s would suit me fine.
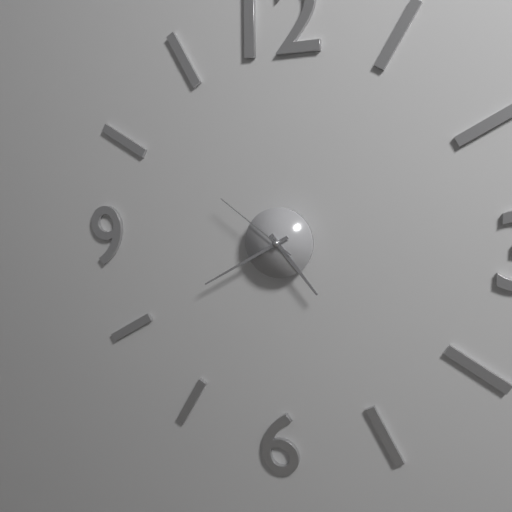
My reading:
4 h 40 min 51 s
